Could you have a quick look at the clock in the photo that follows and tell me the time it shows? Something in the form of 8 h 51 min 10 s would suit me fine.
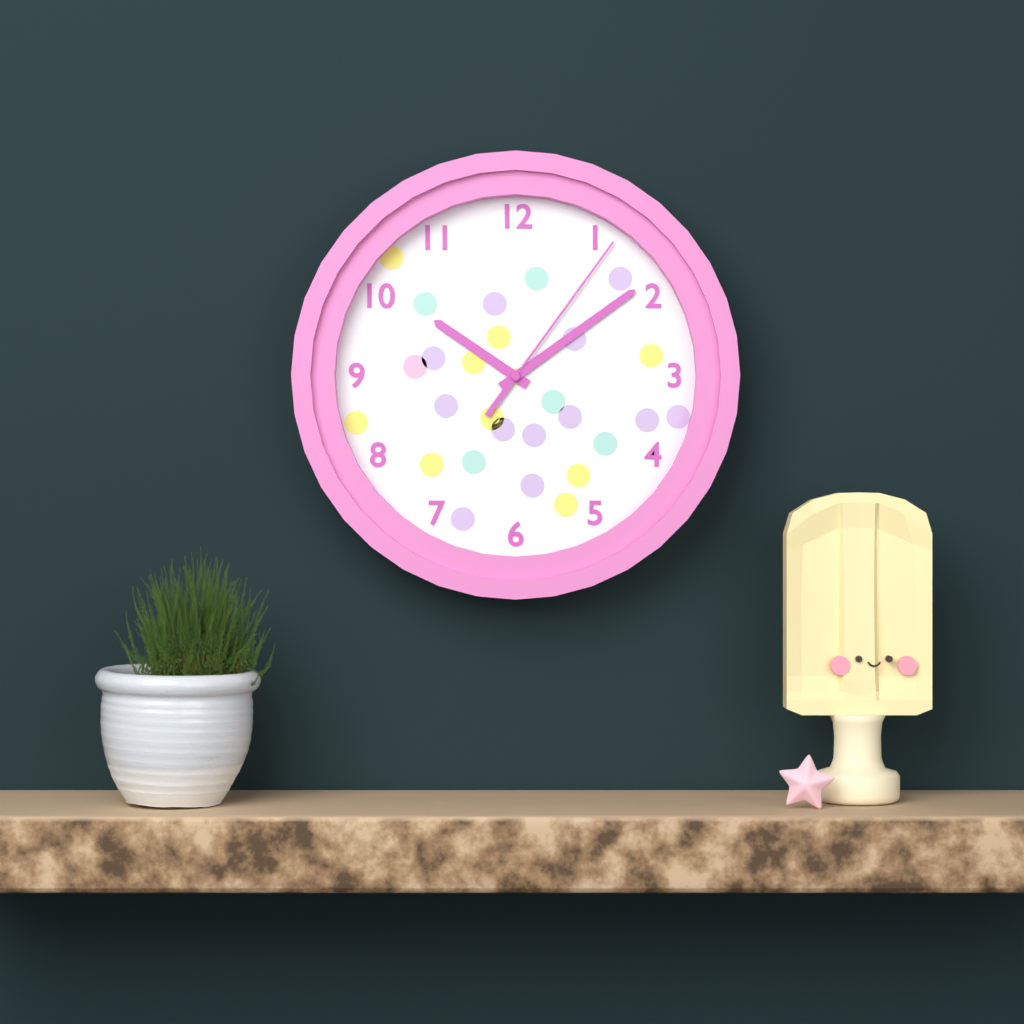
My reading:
10 h 09 min 06 s
